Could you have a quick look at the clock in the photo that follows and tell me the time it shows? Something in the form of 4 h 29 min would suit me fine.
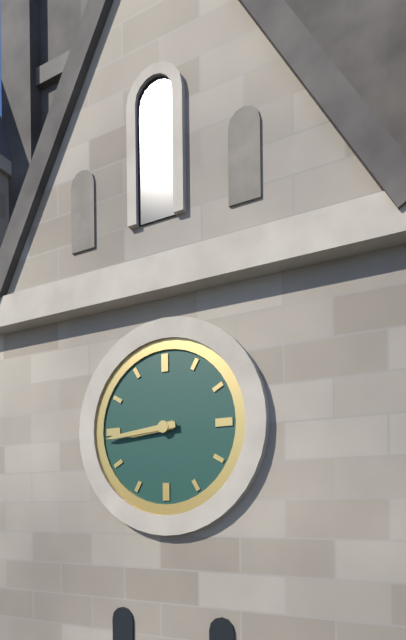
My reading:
8 h 44 min
